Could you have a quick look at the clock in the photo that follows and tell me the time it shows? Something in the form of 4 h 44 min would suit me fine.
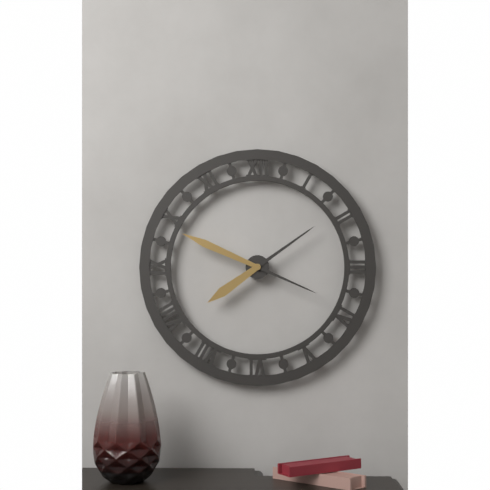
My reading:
7 h 49 min
